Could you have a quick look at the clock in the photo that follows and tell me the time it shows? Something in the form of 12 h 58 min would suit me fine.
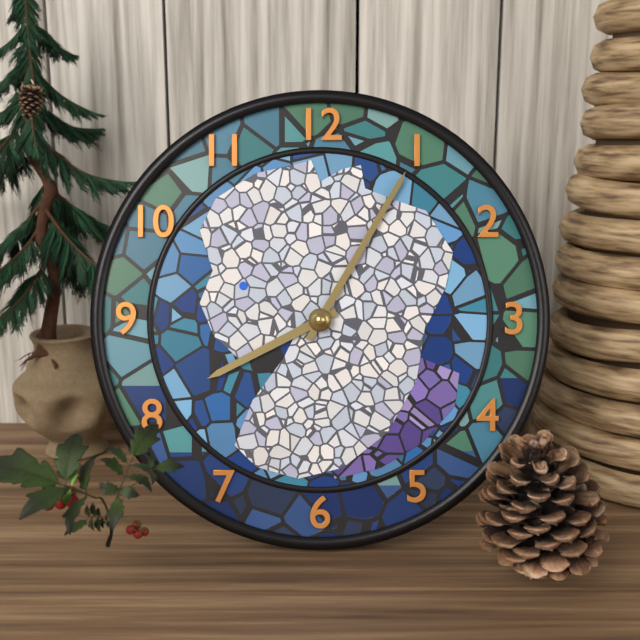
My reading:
8 h 05 min
